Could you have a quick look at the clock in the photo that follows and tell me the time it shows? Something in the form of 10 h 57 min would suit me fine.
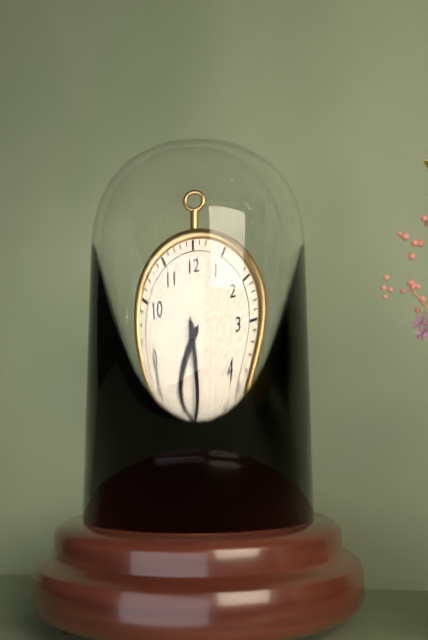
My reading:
7 h 28 min
